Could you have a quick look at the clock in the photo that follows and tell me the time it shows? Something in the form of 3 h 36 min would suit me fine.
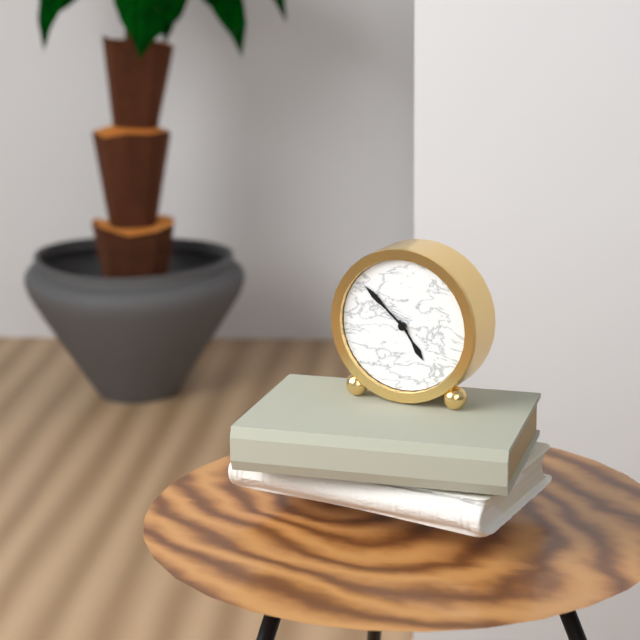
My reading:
4 h 52 min
